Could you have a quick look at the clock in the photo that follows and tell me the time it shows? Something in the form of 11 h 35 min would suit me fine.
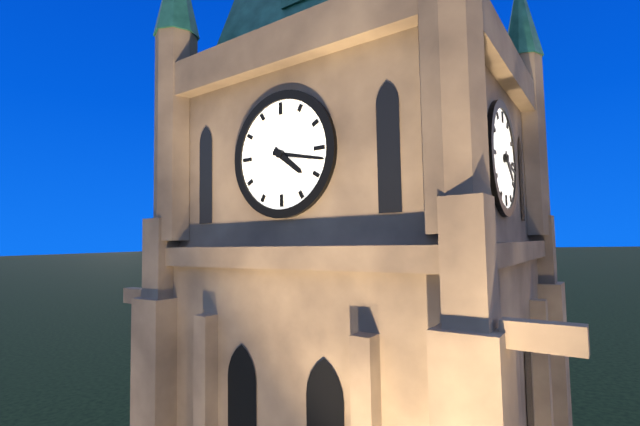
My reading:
4 h 17 min
